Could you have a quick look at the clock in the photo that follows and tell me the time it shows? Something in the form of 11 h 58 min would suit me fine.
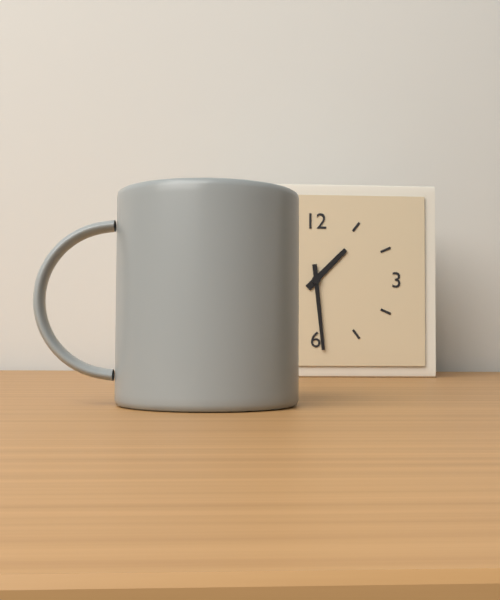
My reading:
1 h 29 min
